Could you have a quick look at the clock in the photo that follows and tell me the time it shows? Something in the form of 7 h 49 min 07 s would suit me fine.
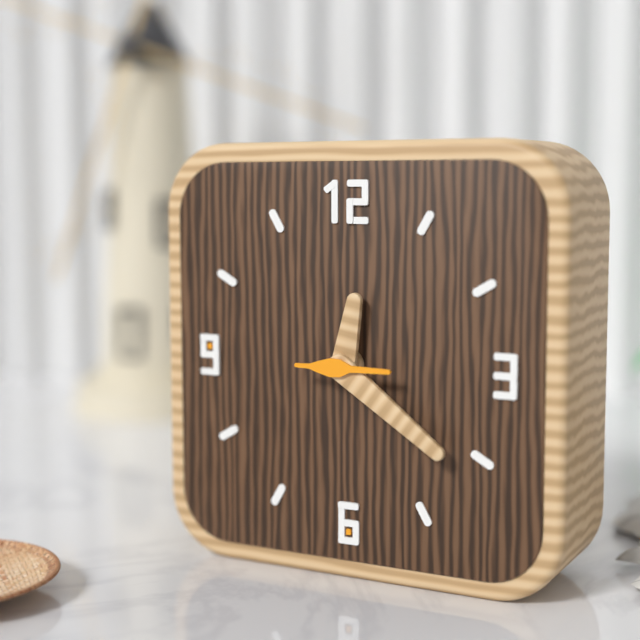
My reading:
12 h 21 min 15 s
